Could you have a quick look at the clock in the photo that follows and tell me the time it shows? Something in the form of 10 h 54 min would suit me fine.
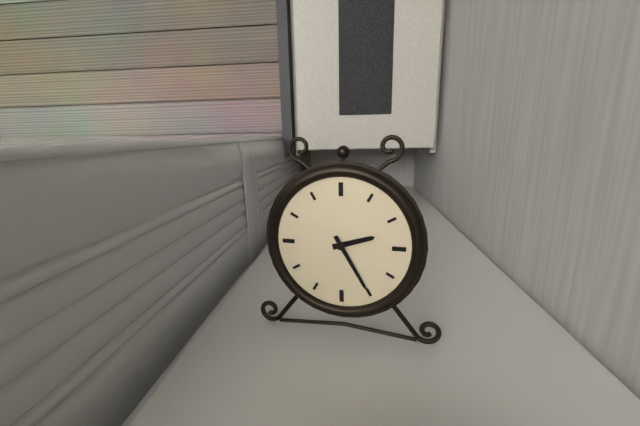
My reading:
2 h 25 min
